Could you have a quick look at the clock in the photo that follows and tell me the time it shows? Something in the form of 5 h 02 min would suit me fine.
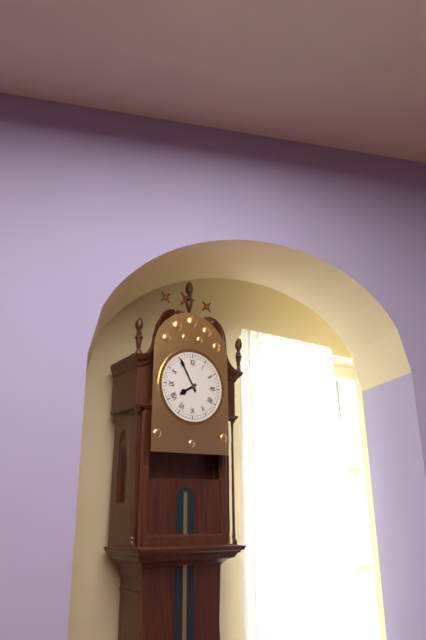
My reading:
7 h 55 min
